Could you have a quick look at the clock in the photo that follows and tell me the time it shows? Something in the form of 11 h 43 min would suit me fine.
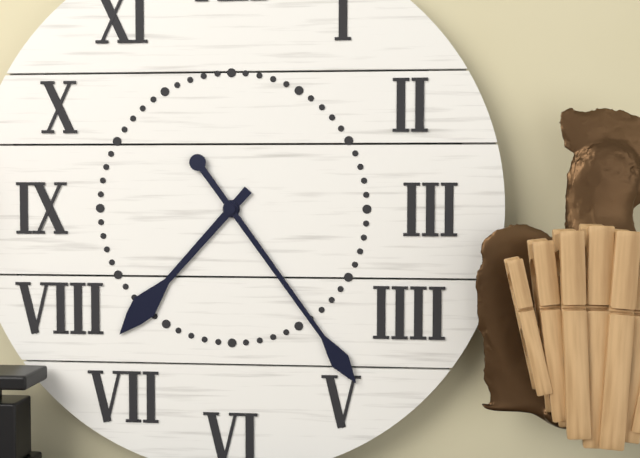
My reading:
7 h 24 min
